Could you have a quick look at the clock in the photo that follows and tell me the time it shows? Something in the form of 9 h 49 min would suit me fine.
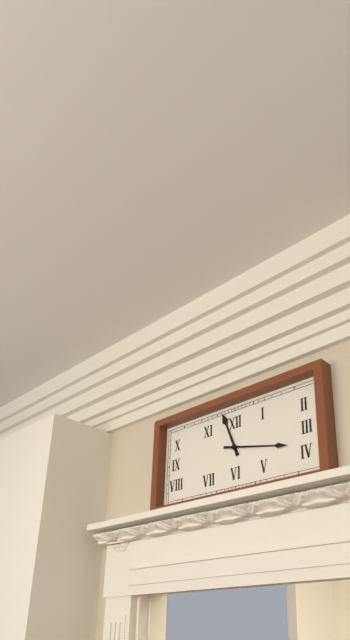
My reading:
11 h 17 min
